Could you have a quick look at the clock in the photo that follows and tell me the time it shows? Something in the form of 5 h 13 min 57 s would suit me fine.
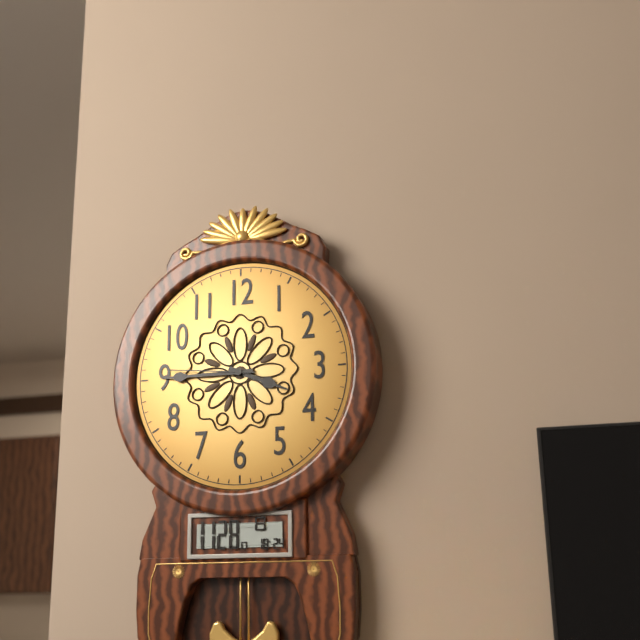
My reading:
3 h 45 min 46 s
